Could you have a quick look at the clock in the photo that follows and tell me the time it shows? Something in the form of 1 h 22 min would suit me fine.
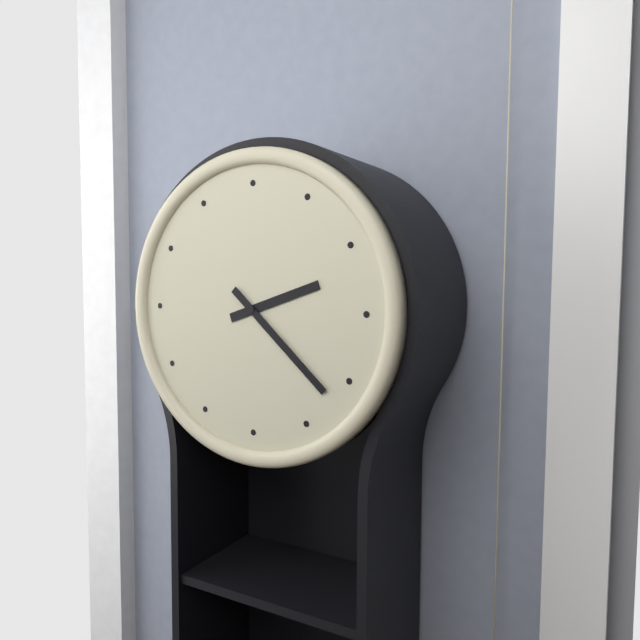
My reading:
2 h 22 min
